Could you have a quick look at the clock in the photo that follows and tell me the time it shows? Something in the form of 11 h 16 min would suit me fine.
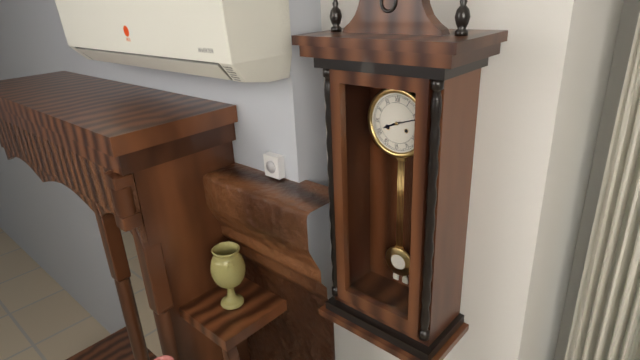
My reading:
8 h 12 min
